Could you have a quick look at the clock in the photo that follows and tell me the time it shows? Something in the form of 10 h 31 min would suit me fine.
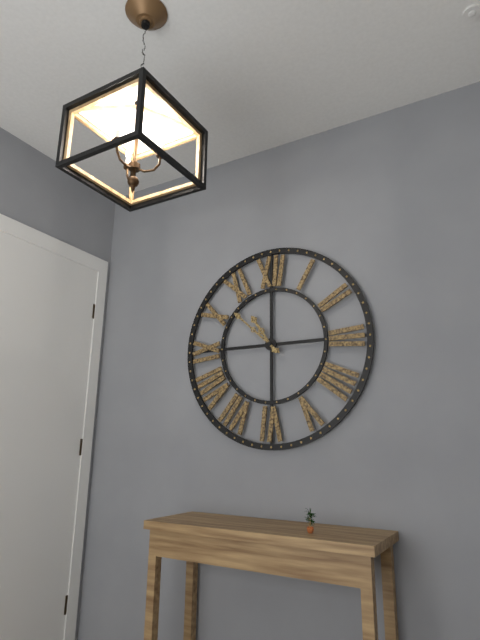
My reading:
10 h 52 min
